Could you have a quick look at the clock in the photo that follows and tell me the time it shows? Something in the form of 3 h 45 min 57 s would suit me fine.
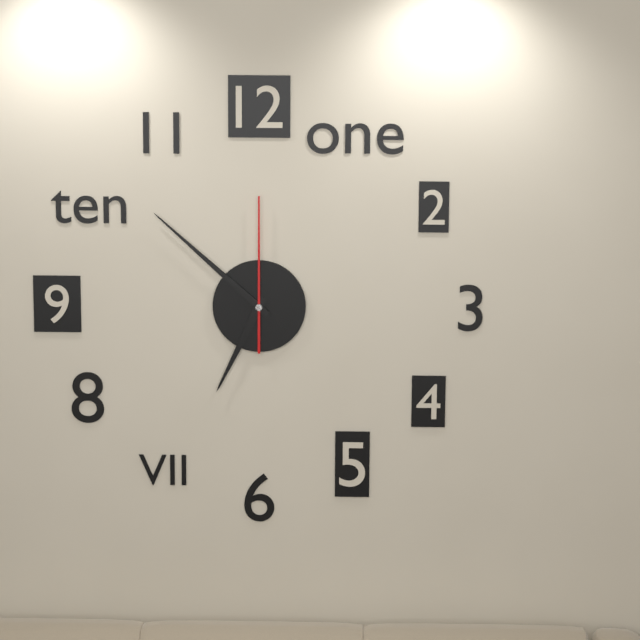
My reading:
6 h 52 min 00 s
